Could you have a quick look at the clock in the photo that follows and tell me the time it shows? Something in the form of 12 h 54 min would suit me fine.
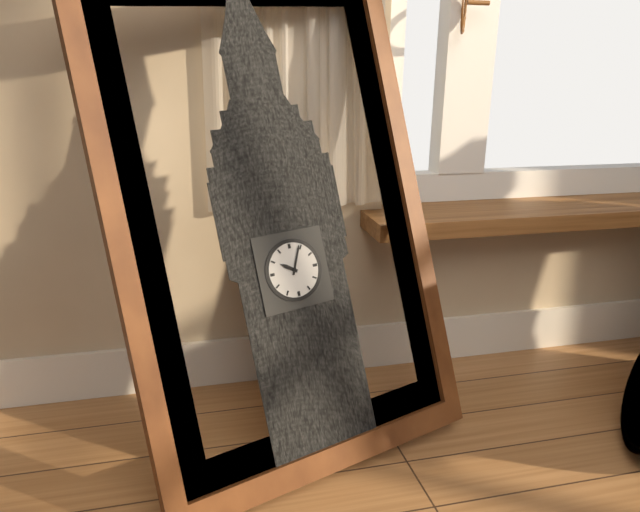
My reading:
10 h 04 min
